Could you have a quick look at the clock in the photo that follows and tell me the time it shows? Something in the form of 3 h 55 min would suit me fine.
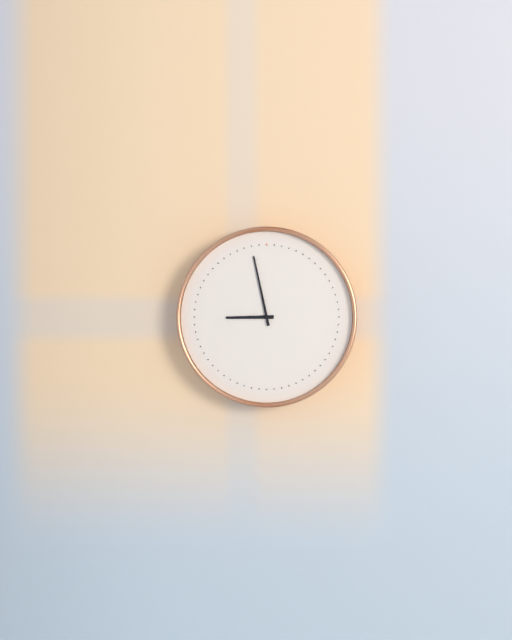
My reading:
8 h 58 min
